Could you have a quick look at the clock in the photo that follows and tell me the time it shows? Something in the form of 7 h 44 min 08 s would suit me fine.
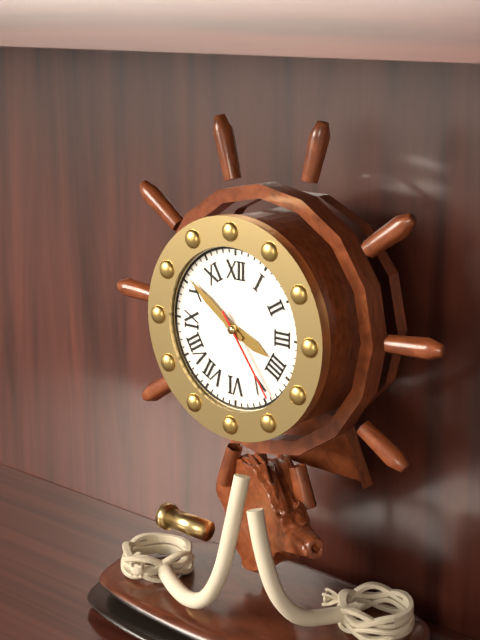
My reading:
3 h 51 min 24 s
